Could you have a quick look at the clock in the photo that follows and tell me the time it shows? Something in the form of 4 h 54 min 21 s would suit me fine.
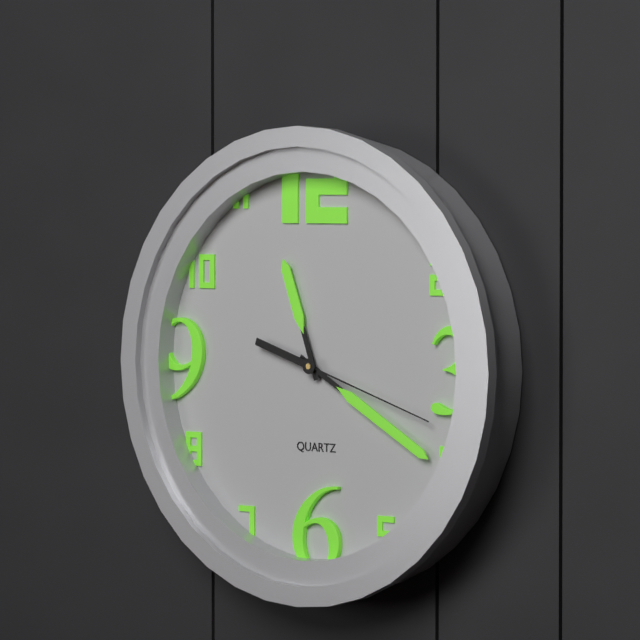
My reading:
11 h 20 min 18 s
